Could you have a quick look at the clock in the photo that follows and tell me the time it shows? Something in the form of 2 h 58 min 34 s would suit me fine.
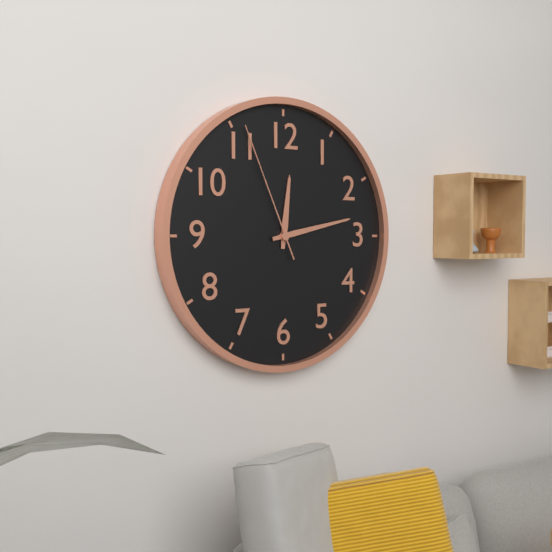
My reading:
12 h 13 min 56 s
